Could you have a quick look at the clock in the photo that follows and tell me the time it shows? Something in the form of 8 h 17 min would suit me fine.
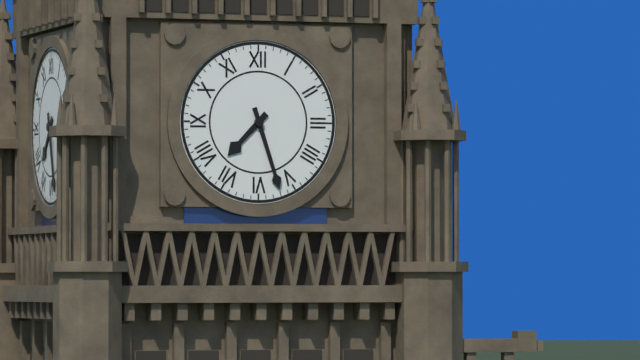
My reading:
7 h 27 min
